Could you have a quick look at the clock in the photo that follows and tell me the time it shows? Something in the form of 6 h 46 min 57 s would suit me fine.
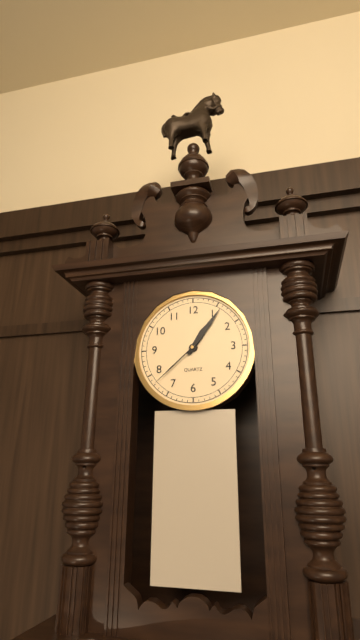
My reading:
1 h 06 min 38 s
